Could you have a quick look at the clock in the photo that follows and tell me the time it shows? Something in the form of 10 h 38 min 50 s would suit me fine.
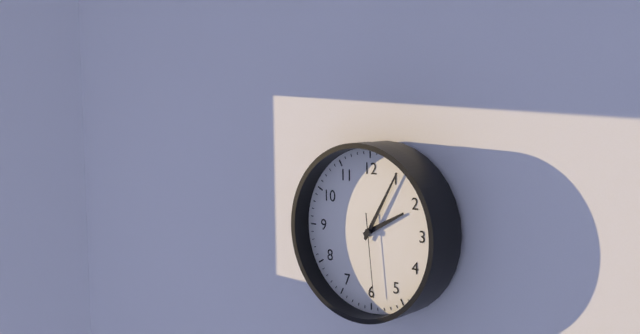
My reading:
2 h 05 min 29 s
